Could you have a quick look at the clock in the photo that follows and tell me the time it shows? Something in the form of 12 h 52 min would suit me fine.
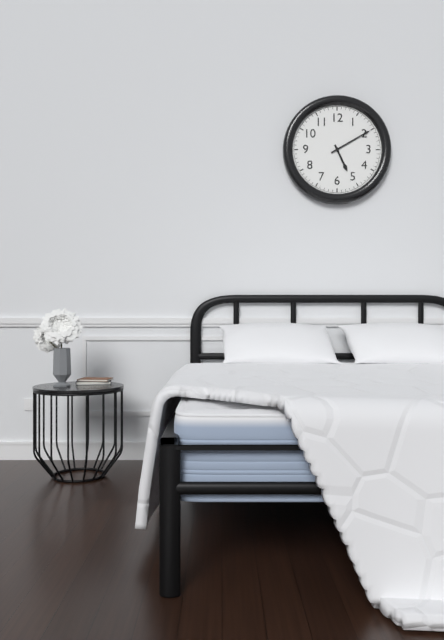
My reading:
5 h 10 min
